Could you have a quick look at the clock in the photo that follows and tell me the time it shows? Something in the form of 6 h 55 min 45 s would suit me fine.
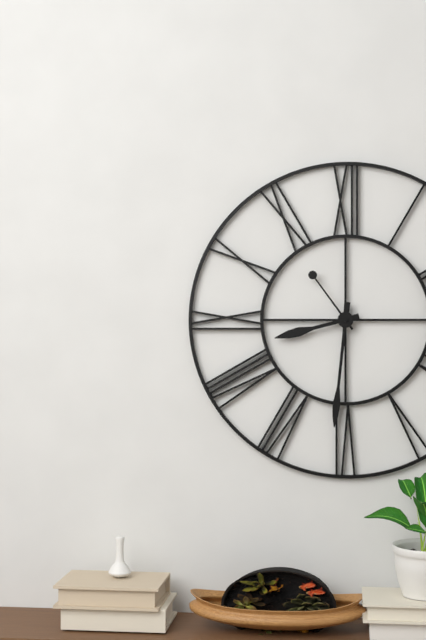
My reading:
8 h 31 min 54 s
